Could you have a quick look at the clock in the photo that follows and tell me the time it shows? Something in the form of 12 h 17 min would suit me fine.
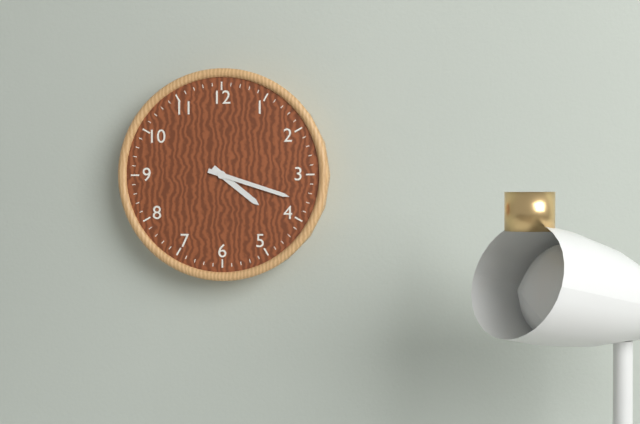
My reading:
4 h 18 min
